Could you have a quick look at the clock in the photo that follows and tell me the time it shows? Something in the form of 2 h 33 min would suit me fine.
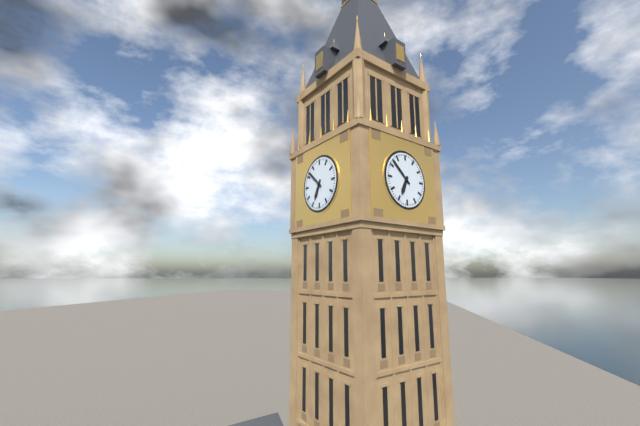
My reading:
6 h 52 min
